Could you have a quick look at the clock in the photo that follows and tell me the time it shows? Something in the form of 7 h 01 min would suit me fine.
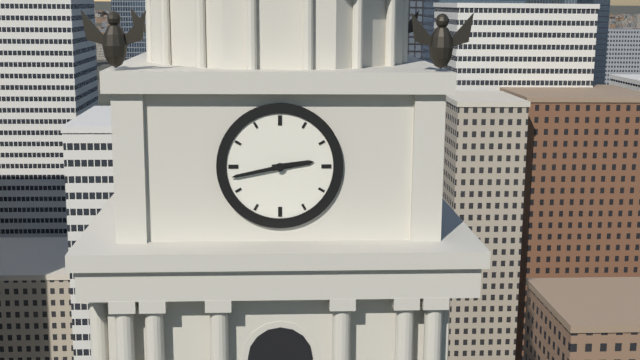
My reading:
2 h 43 min
